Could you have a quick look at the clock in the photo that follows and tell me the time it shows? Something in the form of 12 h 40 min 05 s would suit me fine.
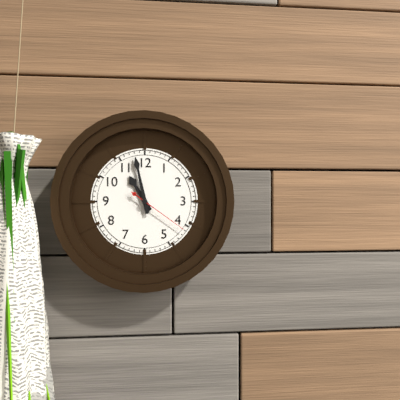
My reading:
10 h 58 min 21 s
